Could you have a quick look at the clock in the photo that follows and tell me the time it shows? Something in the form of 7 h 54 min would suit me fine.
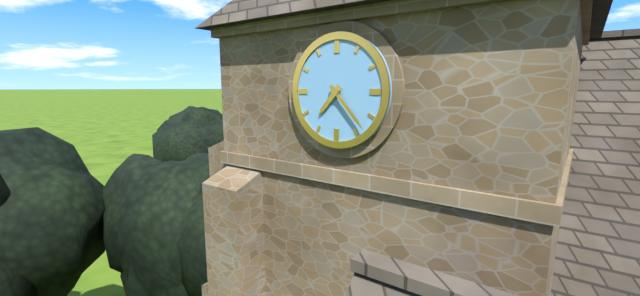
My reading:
7 h 23 min
